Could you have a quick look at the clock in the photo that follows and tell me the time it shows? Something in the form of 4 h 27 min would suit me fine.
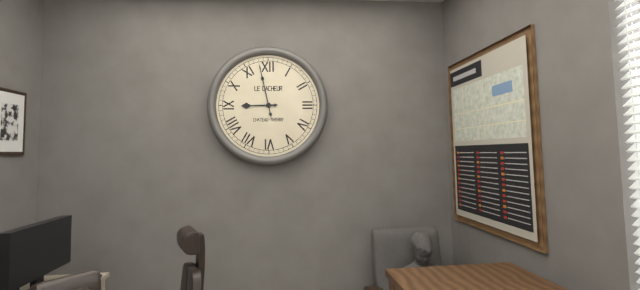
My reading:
8 h 58 min
